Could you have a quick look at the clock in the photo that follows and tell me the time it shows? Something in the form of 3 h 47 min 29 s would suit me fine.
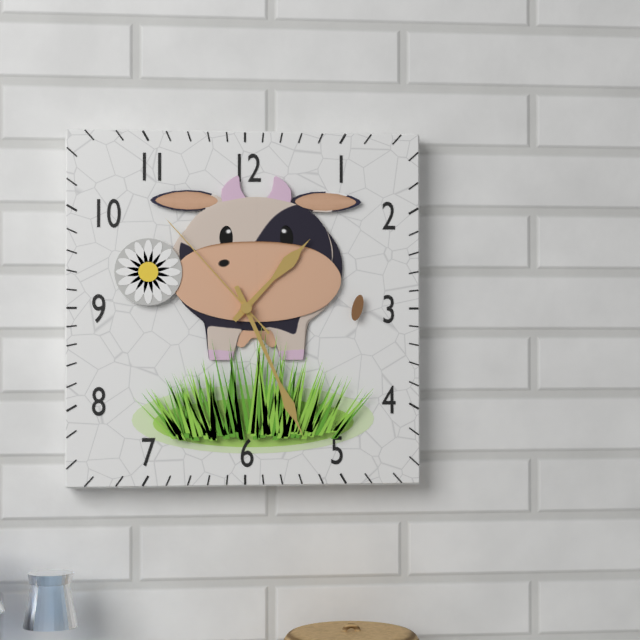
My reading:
1 h 26 min 53 s
